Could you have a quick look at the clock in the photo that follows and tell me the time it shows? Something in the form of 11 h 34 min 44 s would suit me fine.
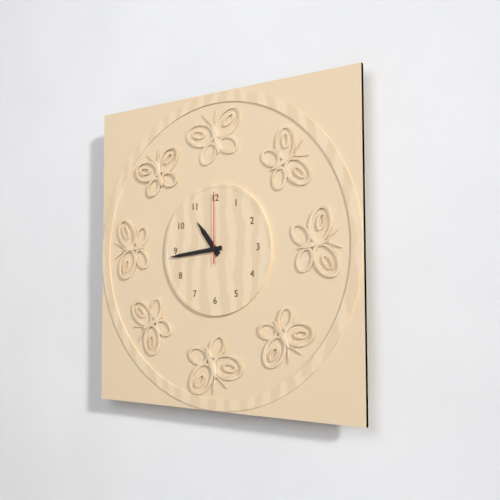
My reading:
10 h 44 min 00 s
